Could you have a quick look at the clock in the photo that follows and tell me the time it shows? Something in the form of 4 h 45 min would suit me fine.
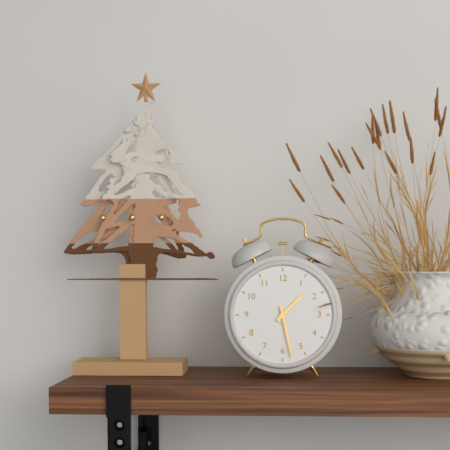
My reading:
1 h 28 min
